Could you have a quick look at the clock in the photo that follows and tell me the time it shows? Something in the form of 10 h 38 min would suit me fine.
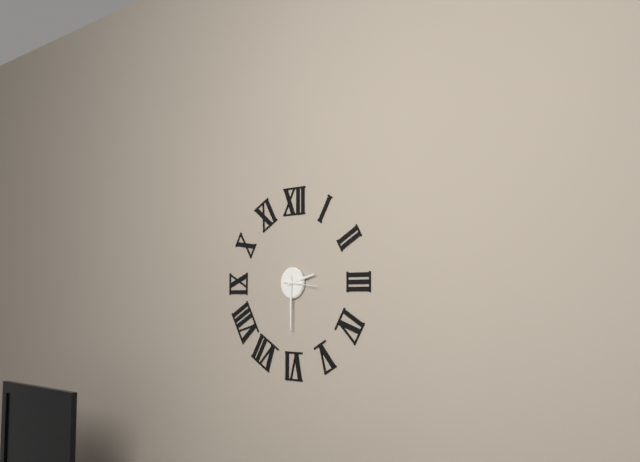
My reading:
2 h 30 min
